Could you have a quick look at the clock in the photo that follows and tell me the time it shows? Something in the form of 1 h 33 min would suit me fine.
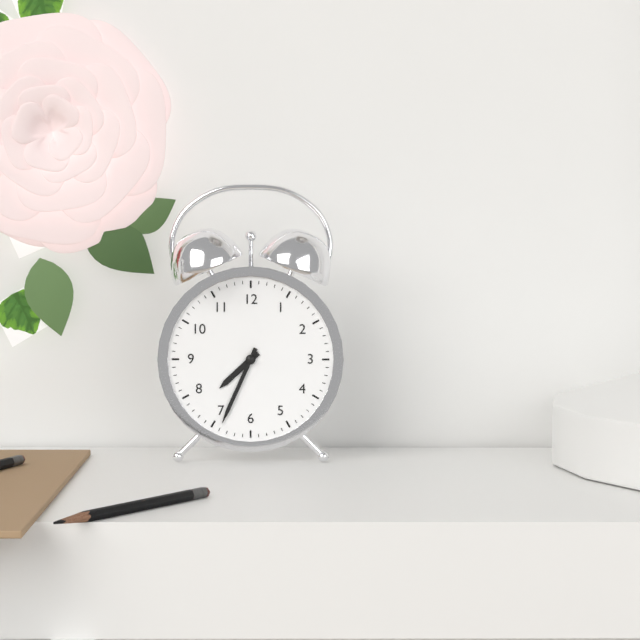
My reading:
7 h 34 min
